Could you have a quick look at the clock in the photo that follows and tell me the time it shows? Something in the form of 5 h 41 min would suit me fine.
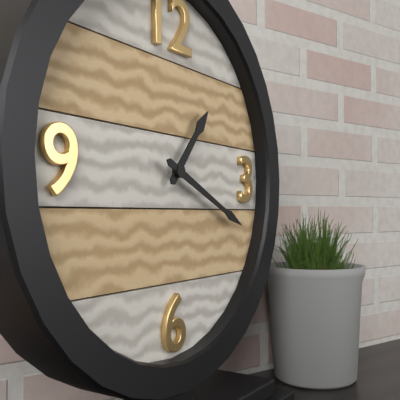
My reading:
1 h 19 min
